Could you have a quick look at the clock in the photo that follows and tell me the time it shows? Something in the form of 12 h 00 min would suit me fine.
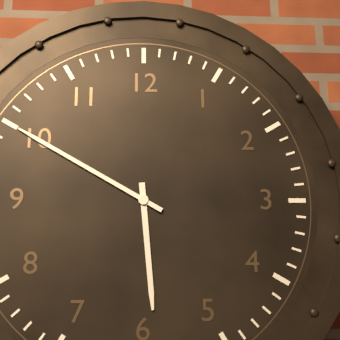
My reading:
5 h 50 min
